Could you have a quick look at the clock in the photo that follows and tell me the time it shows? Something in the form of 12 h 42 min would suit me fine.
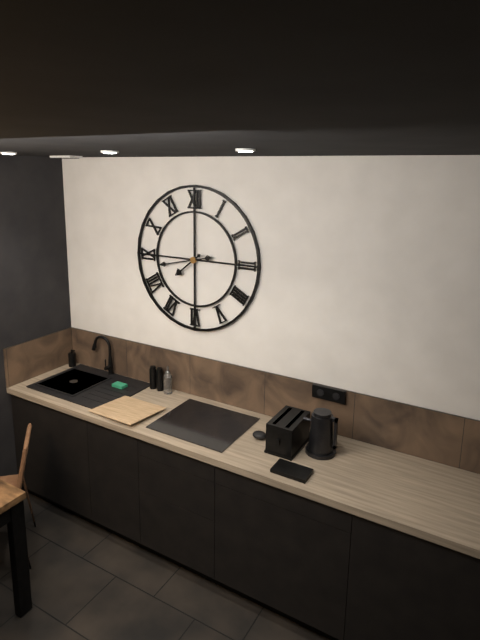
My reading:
7 h 43 min
